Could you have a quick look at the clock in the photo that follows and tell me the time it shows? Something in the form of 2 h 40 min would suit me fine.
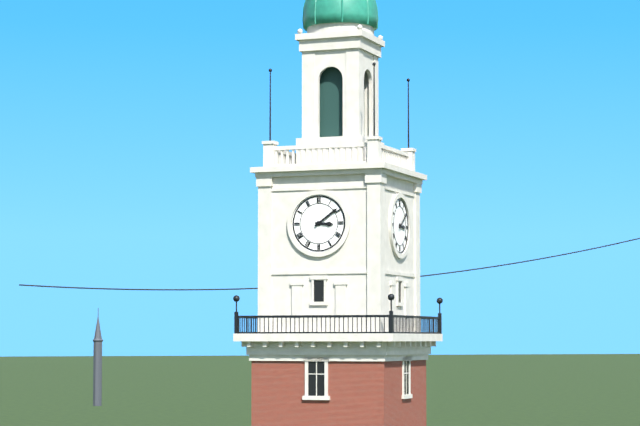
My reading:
3 h 09 min
